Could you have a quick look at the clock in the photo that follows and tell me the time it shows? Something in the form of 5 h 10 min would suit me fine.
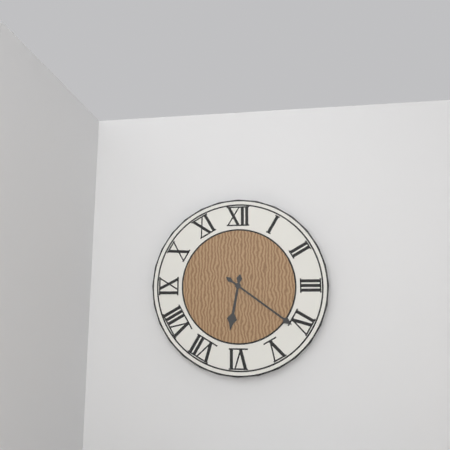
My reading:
6 h 21 min
